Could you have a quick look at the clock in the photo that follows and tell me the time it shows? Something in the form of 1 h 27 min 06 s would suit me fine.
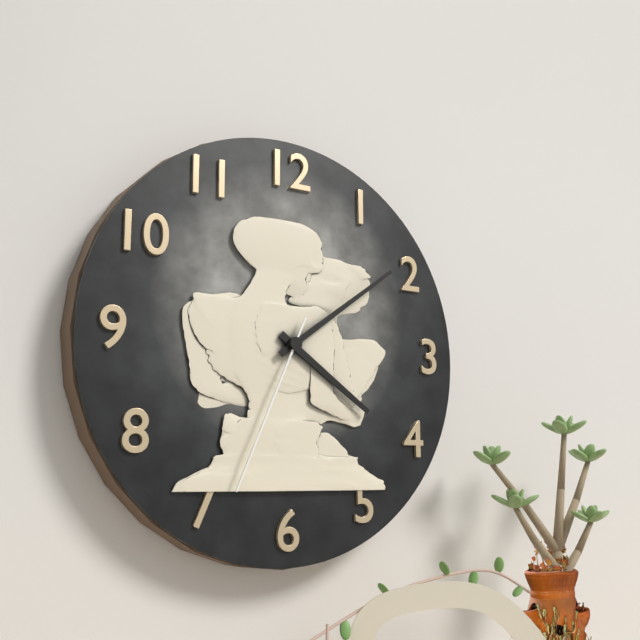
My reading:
4 h 09 min 34 s
